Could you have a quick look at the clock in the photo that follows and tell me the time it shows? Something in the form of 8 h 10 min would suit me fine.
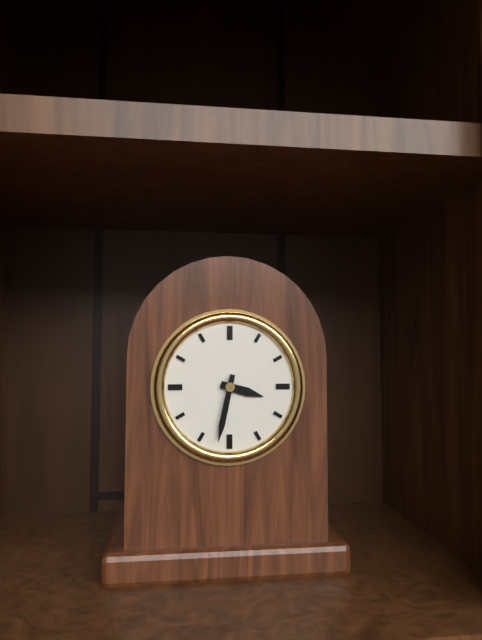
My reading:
3 h 32 min
